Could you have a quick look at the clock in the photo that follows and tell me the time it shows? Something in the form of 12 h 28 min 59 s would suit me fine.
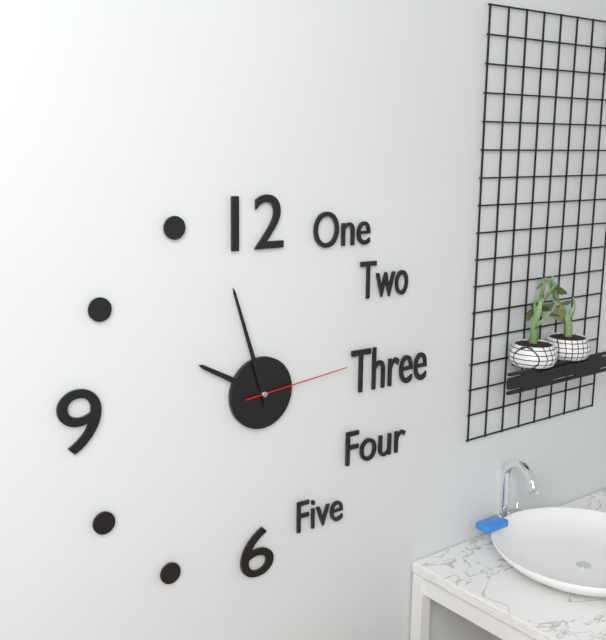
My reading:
9 h 57 min 14 s
